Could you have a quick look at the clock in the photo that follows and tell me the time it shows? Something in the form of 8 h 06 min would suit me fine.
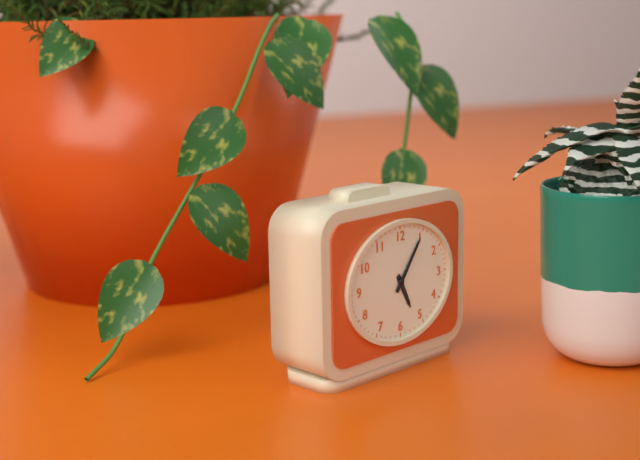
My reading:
5 h 06 min
